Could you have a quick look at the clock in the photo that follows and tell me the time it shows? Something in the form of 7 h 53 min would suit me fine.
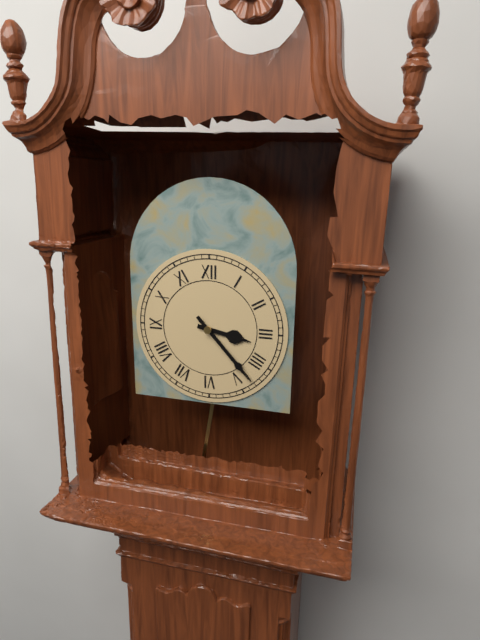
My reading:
3 h 23 min
